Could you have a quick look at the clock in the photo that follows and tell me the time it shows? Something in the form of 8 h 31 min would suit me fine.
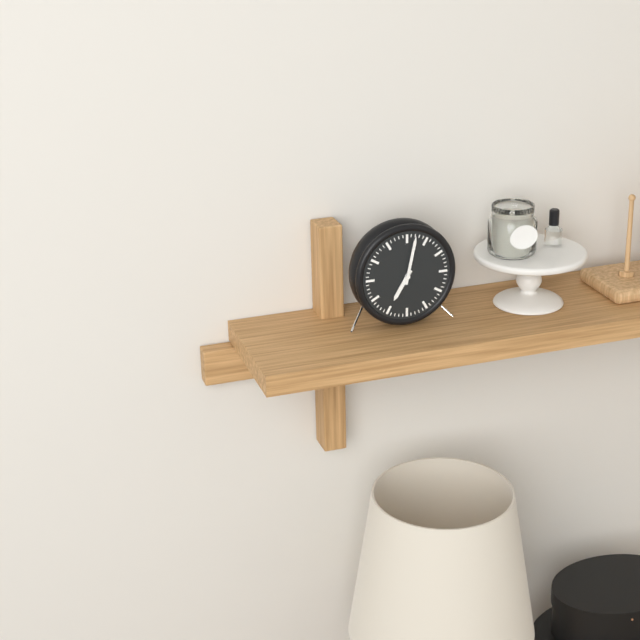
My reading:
7 h 02 min
